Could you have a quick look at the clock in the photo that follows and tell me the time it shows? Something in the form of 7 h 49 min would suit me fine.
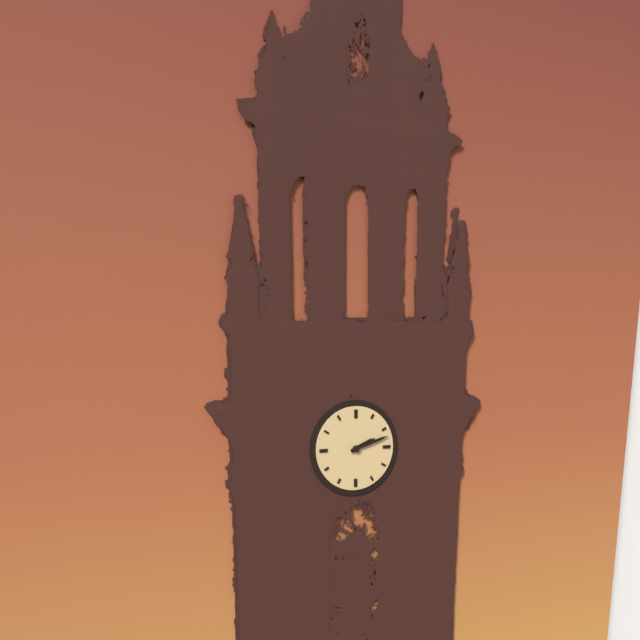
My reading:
2 h 12 min
